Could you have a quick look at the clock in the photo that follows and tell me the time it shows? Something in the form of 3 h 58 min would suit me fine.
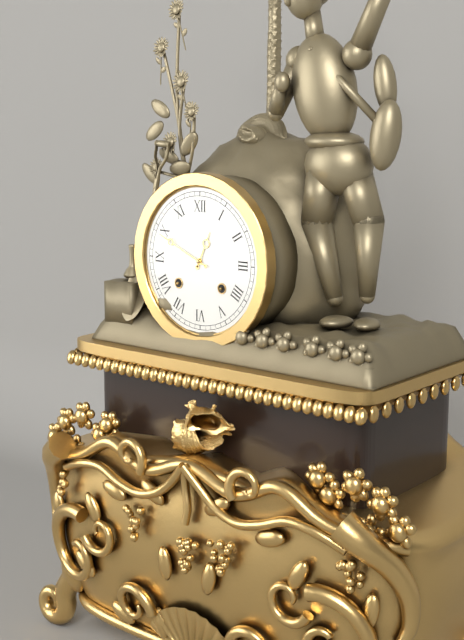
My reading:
12 h 49 min
